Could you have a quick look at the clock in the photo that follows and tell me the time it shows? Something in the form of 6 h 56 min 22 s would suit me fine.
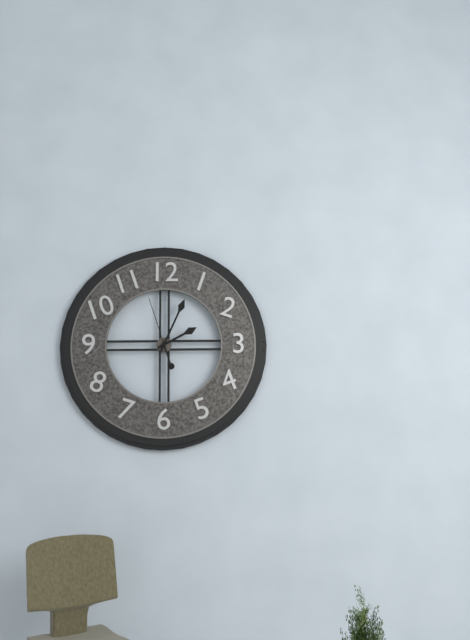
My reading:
2 h 04 min 57 s
